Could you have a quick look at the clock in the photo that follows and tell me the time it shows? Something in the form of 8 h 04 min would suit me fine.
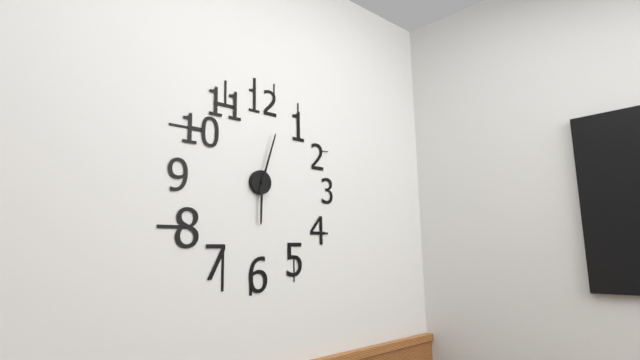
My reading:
6 h 03 min
